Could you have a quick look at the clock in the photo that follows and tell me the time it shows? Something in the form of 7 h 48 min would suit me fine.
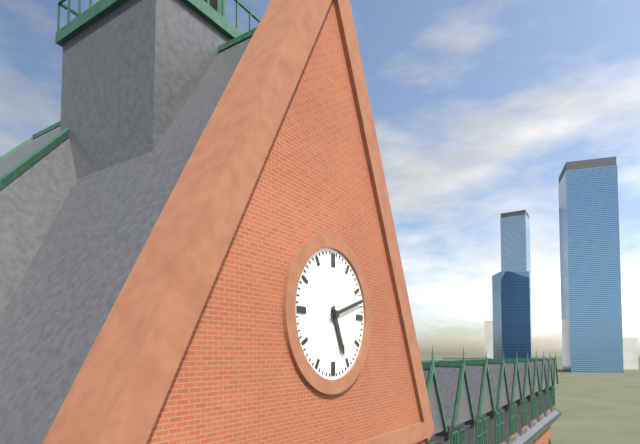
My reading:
5 h 12 min
